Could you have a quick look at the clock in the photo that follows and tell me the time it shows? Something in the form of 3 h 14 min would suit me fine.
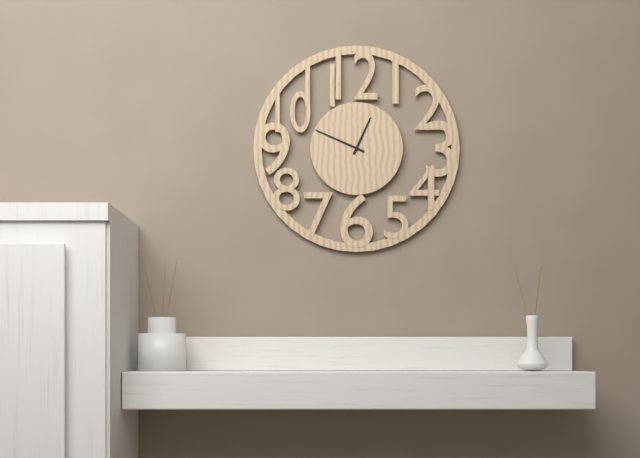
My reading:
12 h 49 min
